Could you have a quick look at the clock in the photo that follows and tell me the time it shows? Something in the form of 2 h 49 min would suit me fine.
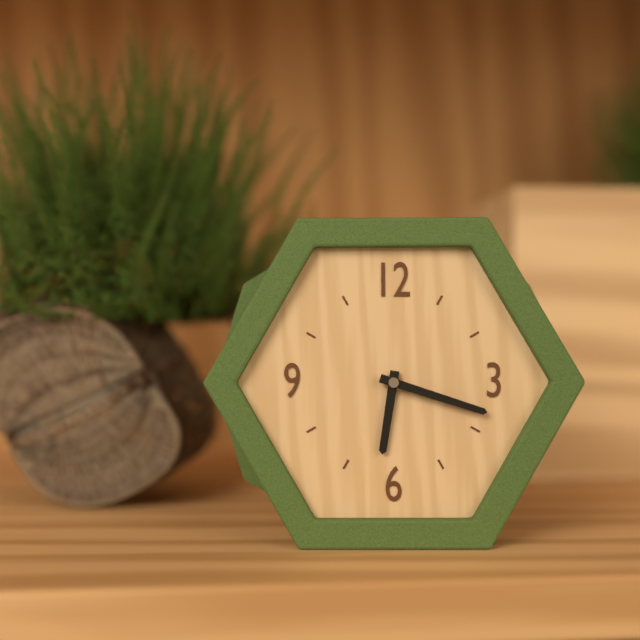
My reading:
6 h 18 min
